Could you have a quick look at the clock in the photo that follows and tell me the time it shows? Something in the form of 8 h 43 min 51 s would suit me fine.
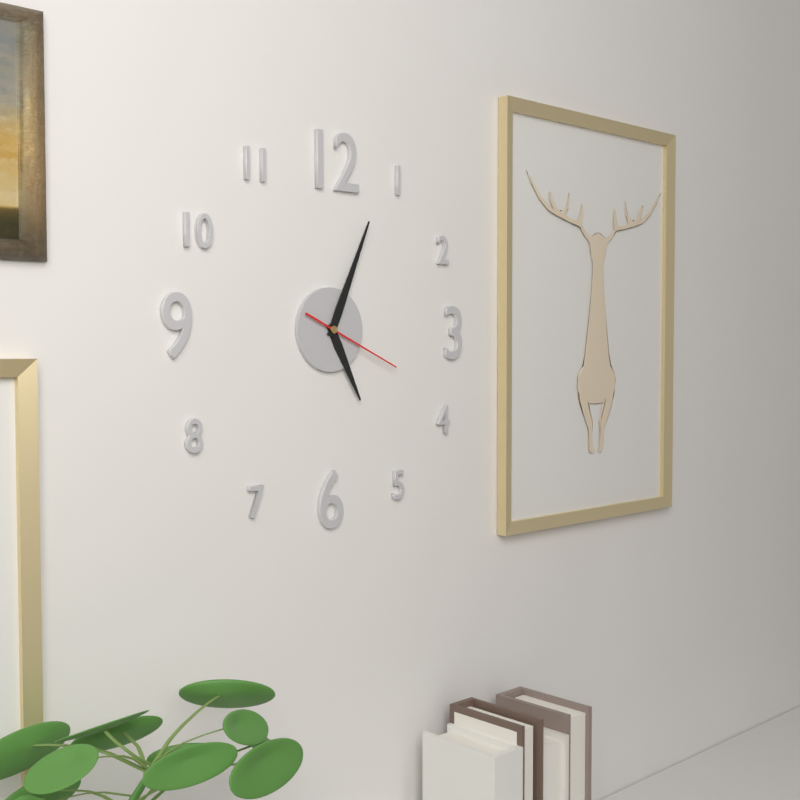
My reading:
5 h 04 min 19 s
